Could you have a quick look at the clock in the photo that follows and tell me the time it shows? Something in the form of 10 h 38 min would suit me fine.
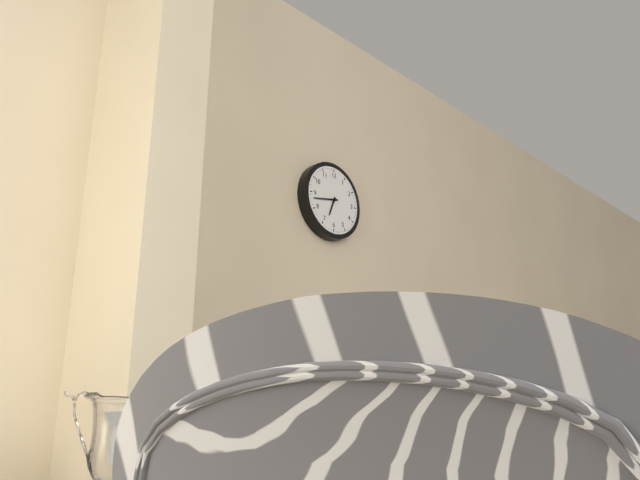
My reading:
6 h 43 min
